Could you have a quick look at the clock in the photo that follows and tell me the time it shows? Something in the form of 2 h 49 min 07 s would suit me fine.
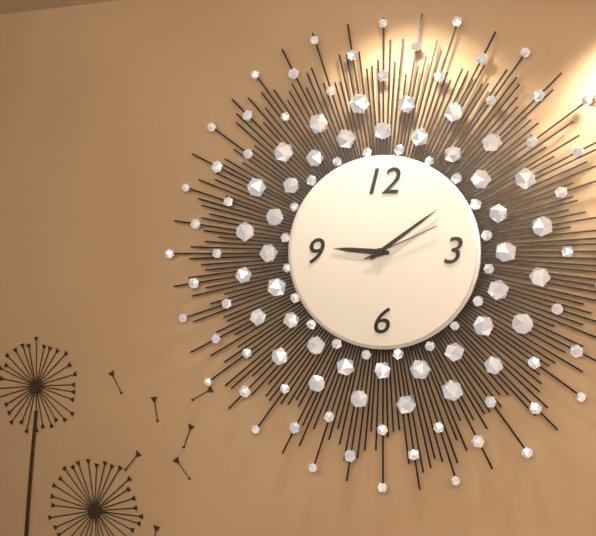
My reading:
9 h 09 min 11 s
